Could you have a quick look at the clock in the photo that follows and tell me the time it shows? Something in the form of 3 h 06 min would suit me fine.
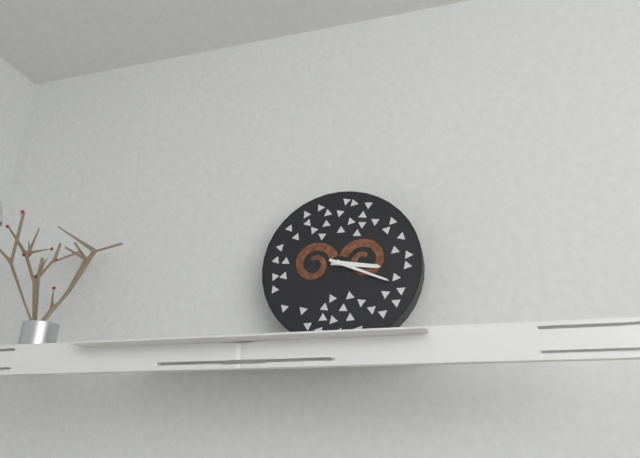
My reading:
3 h 19 min
